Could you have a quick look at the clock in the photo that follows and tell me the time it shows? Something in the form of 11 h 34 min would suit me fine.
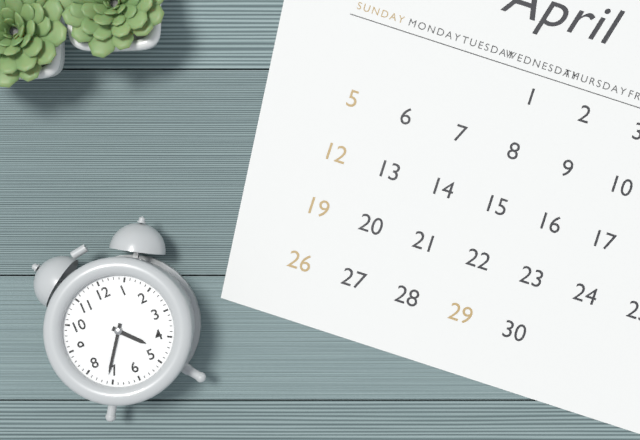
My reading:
4 h 36 min
